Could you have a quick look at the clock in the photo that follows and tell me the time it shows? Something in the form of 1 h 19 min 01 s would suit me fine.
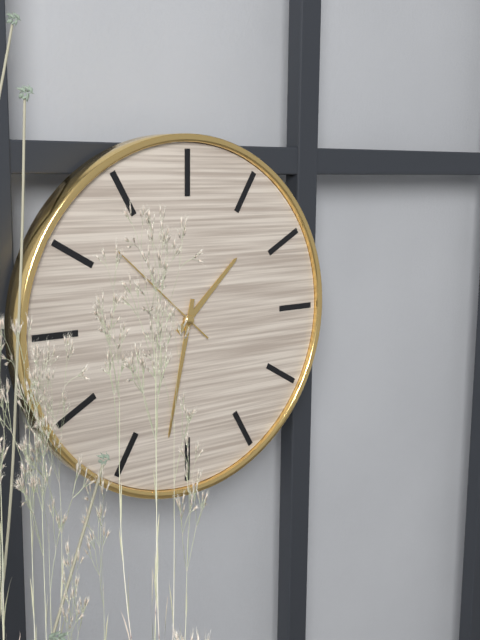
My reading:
1 h 32 min 52 s
